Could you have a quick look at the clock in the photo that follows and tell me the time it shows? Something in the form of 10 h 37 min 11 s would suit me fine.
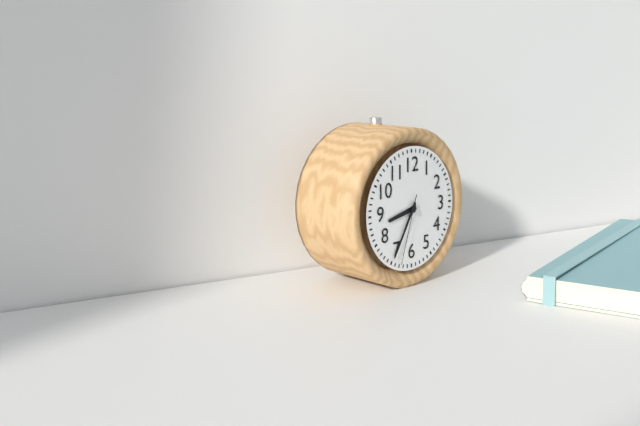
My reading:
8 h 35 min 33 s
